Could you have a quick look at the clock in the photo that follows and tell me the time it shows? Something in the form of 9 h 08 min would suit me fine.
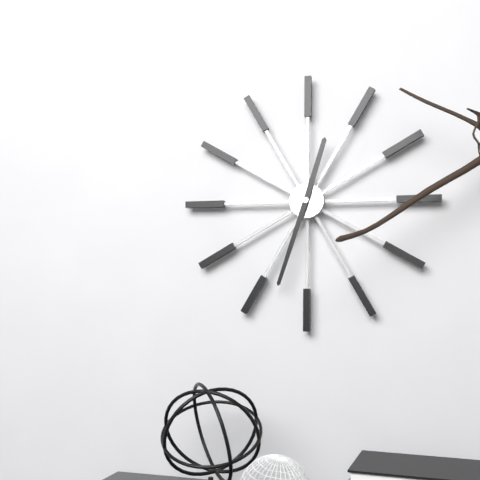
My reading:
12 h 33 min
